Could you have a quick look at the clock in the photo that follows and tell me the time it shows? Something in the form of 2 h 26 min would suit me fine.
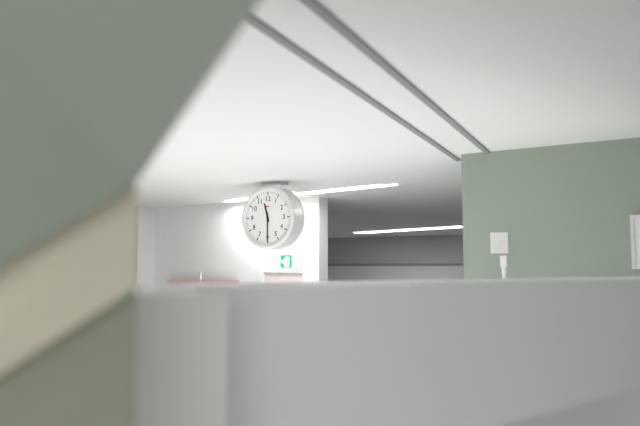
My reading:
11 h 30 min
